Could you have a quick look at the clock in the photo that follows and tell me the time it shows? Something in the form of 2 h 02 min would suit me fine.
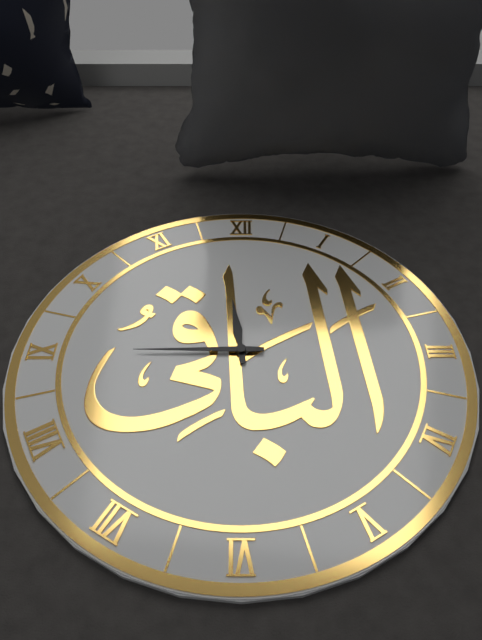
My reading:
11 h 45 min
